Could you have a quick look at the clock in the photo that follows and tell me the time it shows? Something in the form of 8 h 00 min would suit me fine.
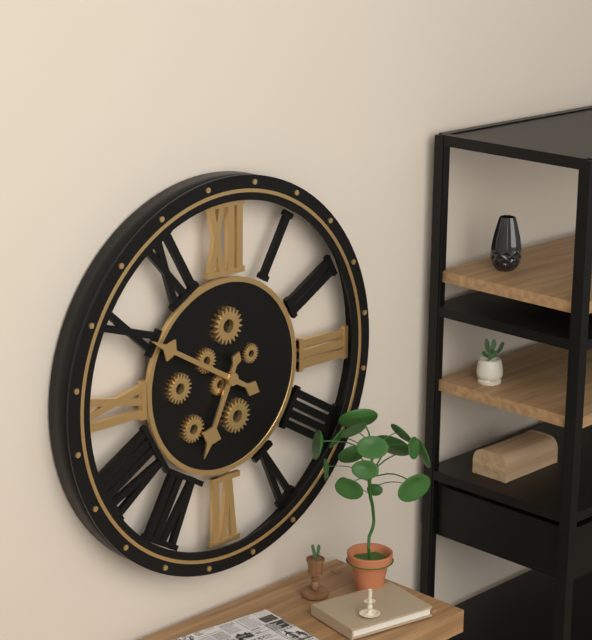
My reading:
6 h 50 min
